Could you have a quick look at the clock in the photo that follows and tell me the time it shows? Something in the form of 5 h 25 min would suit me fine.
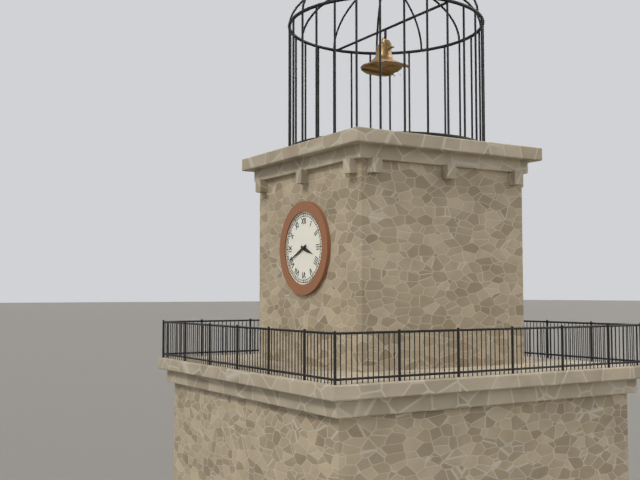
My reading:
3 h 41 min
